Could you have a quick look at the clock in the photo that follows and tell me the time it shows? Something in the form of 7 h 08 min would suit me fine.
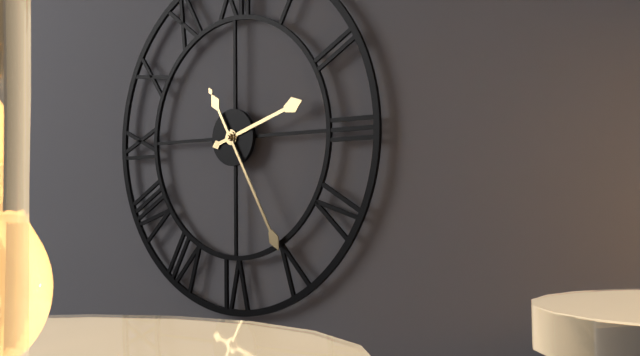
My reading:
2 h 25 min
